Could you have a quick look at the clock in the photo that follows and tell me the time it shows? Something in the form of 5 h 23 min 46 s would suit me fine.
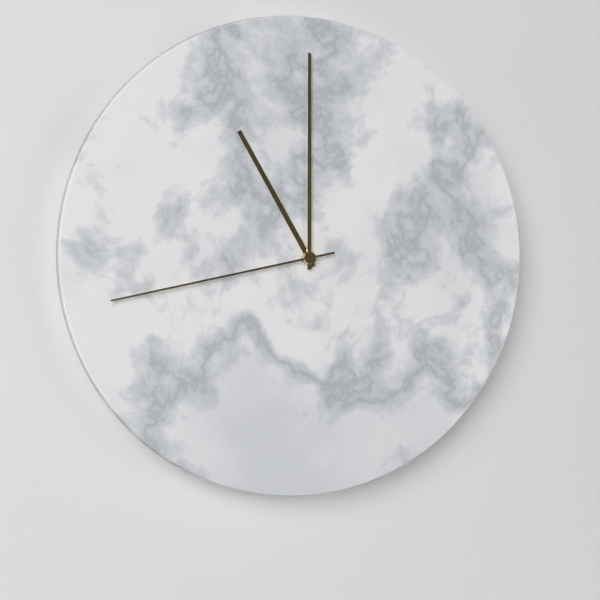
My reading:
11 h 00 min 43 s
